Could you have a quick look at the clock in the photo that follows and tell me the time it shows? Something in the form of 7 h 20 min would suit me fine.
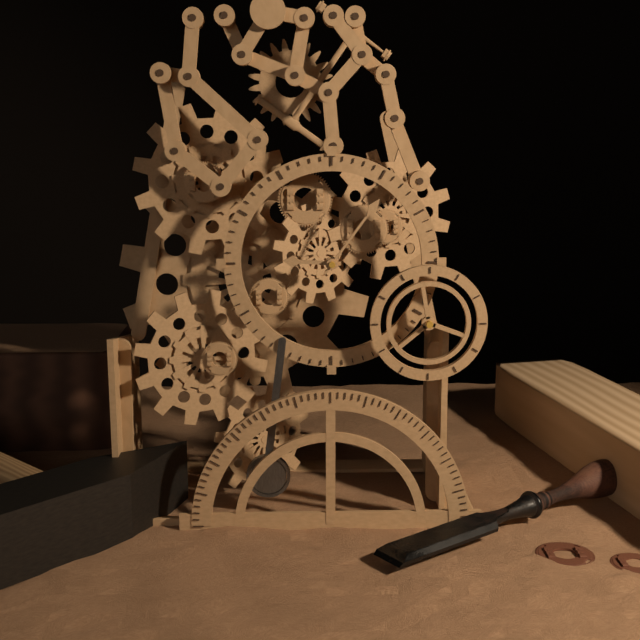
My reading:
9 h 06 min
